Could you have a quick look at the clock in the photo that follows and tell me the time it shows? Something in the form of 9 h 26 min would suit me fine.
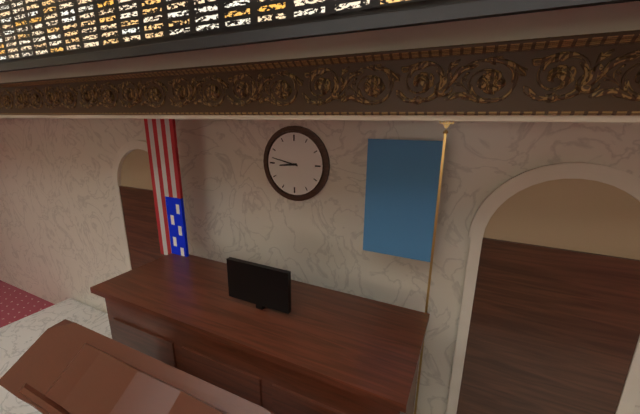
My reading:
8 h 47 min
